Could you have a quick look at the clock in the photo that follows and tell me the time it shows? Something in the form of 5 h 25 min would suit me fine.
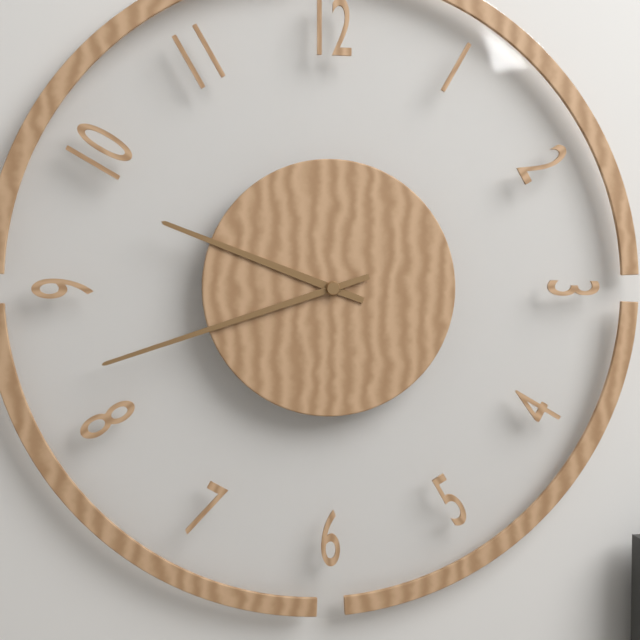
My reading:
9 h 42 min
